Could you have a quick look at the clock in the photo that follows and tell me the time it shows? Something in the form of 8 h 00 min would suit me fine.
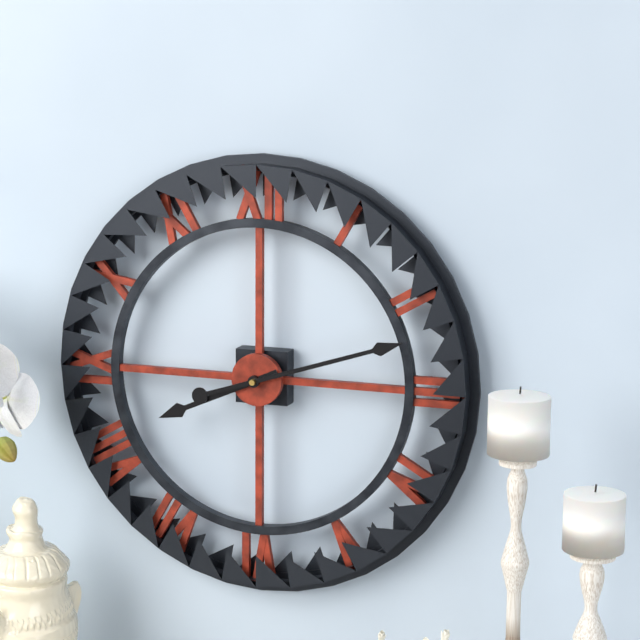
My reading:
8 h 12 min
